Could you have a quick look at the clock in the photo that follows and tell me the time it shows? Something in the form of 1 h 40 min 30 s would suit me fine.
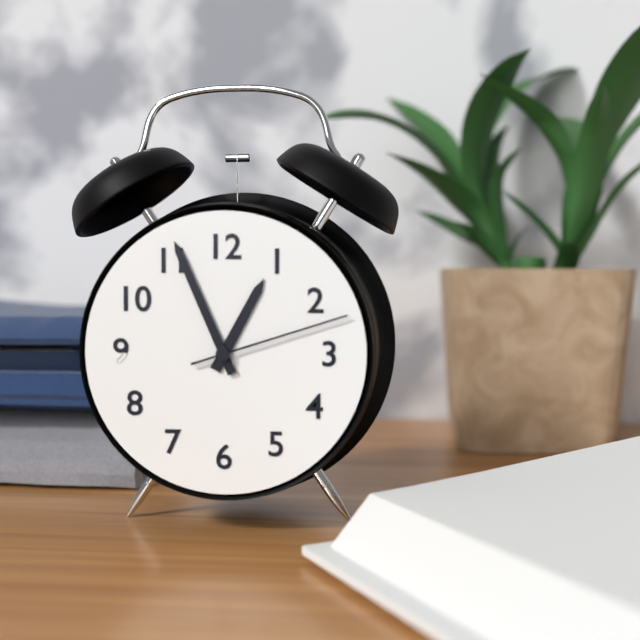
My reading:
12 h 56 min 12 s
